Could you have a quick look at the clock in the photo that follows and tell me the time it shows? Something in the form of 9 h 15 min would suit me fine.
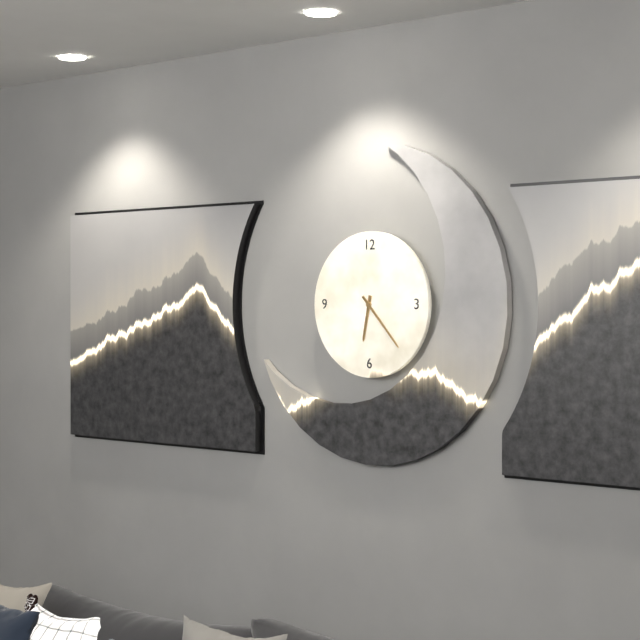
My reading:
6 h 23 min
